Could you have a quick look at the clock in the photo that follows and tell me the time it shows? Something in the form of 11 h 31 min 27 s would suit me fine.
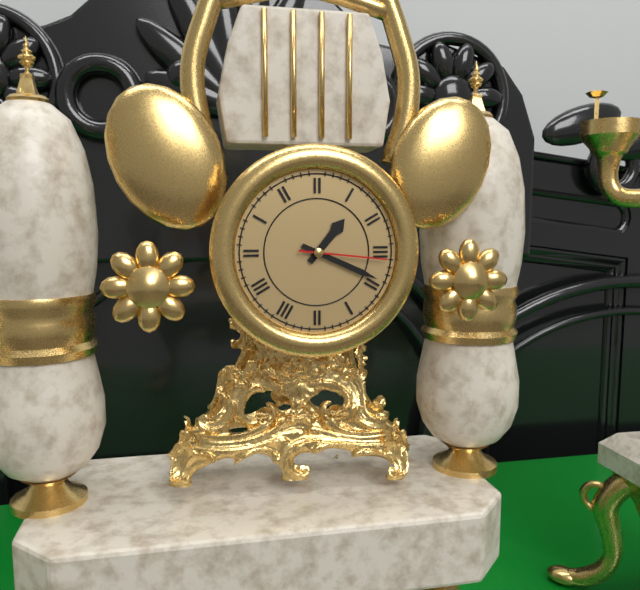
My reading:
1 h 19 min 16 s
